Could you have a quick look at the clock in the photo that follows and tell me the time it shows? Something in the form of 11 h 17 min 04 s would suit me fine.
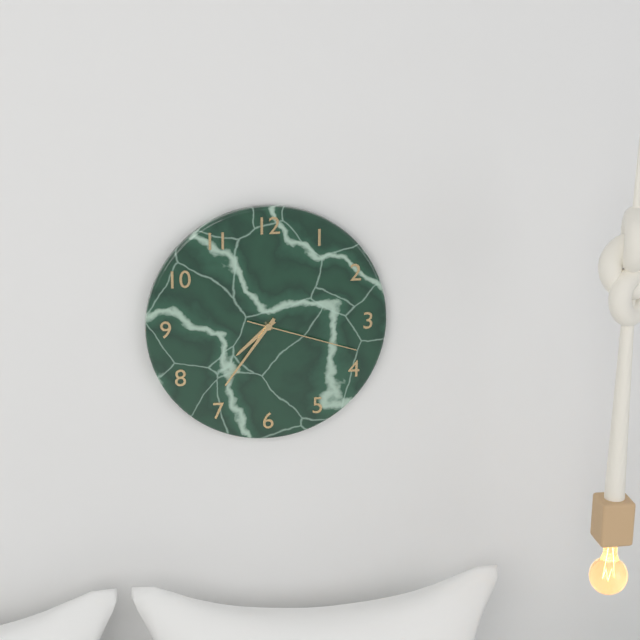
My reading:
7 h 36 min 18 s
